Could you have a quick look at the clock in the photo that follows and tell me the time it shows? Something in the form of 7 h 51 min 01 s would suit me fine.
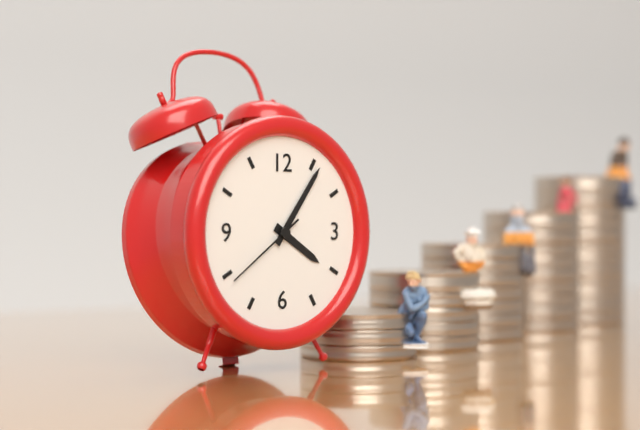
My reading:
4 h 06 min 39 s
